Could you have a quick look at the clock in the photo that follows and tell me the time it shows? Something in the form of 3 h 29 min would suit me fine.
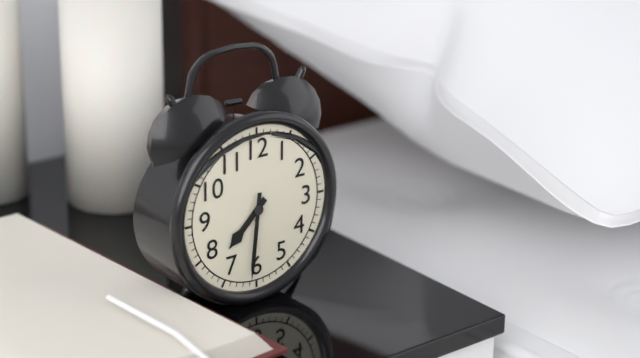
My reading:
7 h 31 min
